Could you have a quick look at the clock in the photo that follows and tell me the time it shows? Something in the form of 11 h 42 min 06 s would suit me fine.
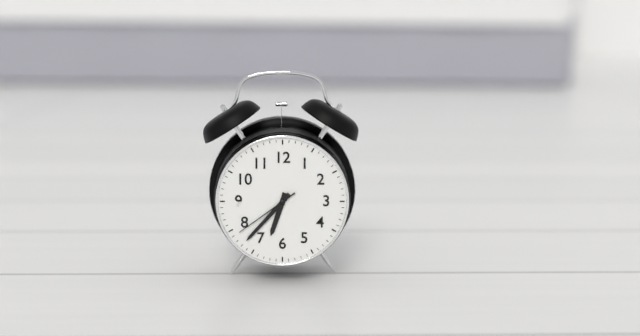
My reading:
6 h 37 min 39 s
